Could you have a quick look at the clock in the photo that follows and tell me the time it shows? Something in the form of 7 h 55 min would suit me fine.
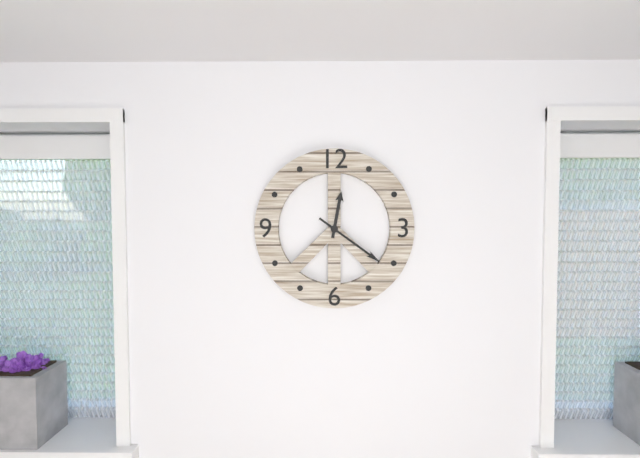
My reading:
12 h 21 min
